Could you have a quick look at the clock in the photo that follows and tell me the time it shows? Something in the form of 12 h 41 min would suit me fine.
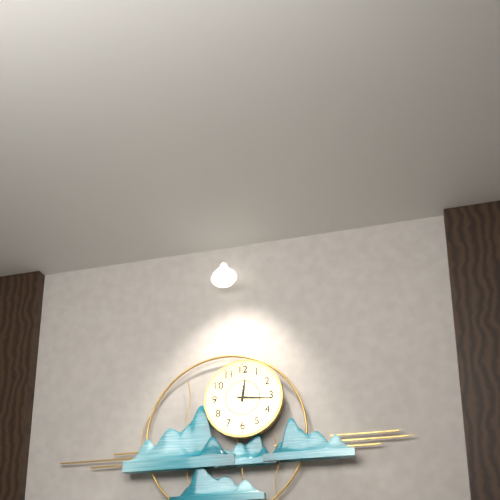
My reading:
12 h 16 min
